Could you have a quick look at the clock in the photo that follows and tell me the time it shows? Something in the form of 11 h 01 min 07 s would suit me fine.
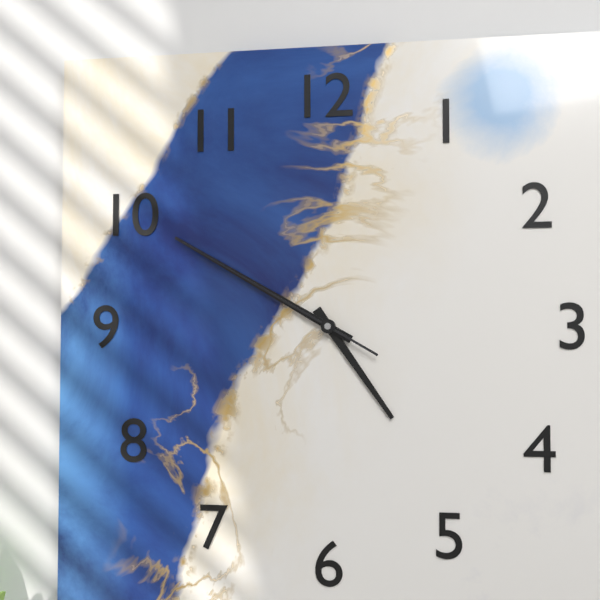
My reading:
4 h 50 min 50 s
